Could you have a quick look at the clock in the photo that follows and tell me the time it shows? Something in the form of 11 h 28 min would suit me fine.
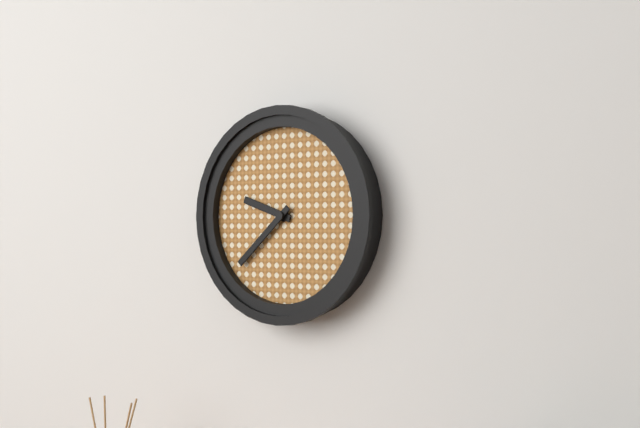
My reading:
9 h 38 min
